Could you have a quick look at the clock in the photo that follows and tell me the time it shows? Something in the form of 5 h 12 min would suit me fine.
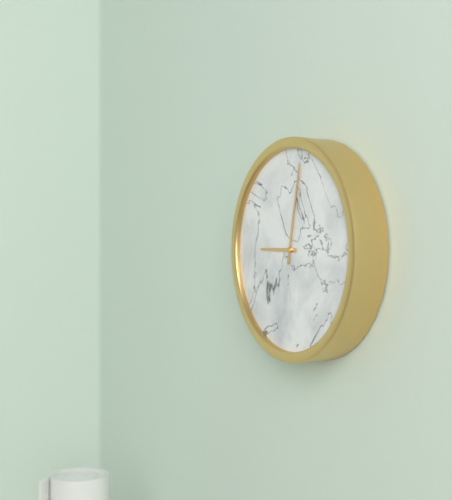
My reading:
9 h 02 min
